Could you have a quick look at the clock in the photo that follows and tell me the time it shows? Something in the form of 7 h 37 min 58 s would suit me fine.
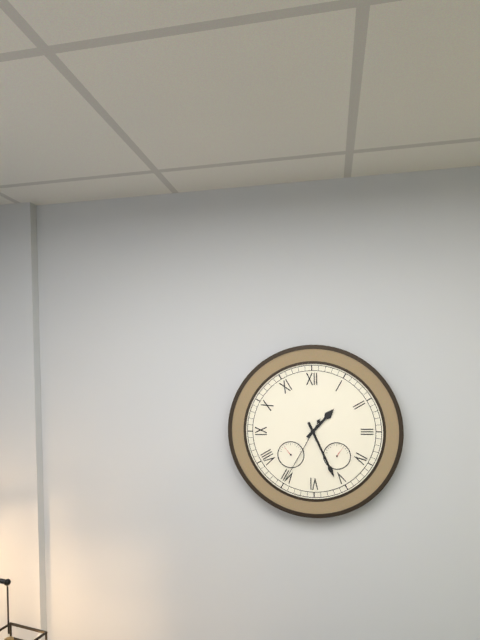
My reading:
1 h 26 min 35 s
